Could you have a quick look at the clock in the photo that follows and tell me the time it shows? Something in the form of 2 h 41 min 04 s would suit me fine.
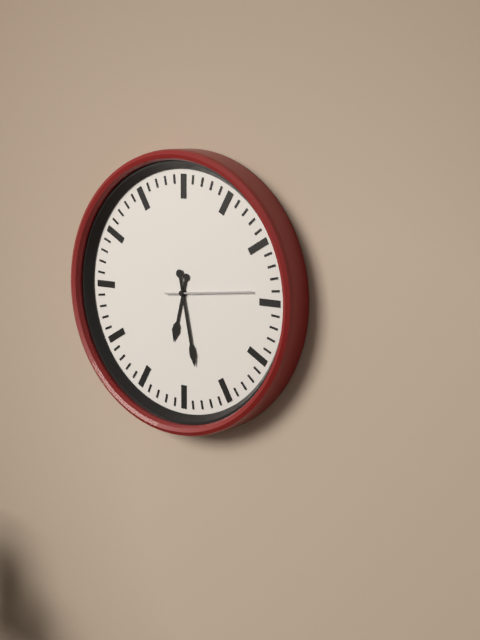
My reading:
6 h 28 min 14 s
